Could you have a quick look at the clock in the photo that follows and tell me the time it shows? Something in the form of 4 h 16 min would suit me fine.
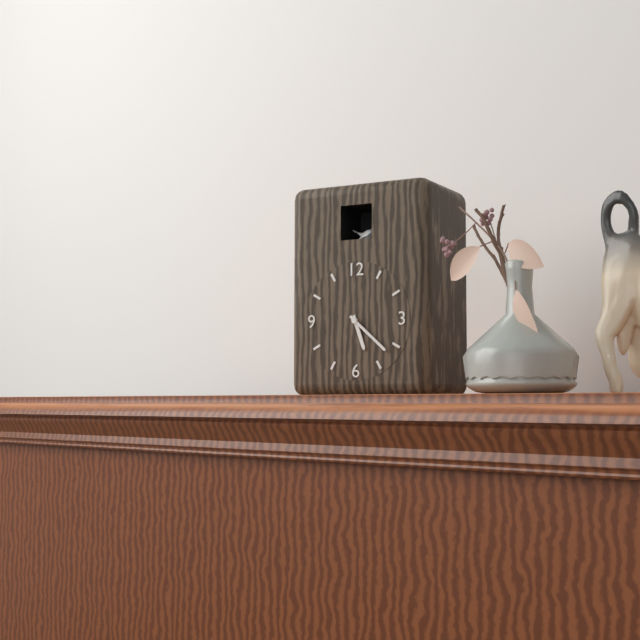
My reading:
5 h 22 min
